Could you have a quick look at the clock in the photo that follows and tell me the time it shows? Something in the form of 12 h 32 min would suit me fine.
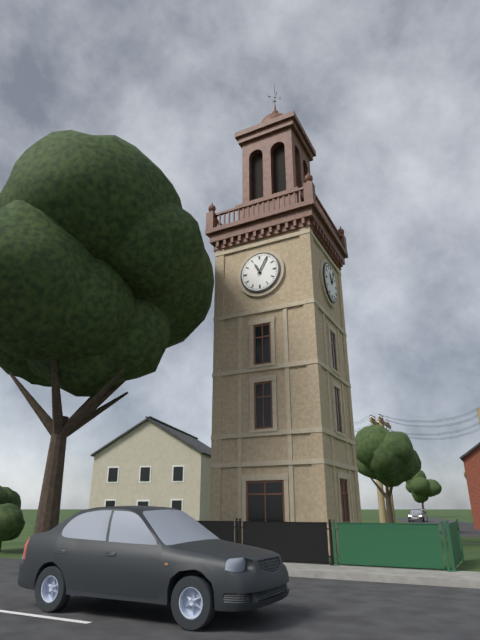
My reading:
11 h 05 min
